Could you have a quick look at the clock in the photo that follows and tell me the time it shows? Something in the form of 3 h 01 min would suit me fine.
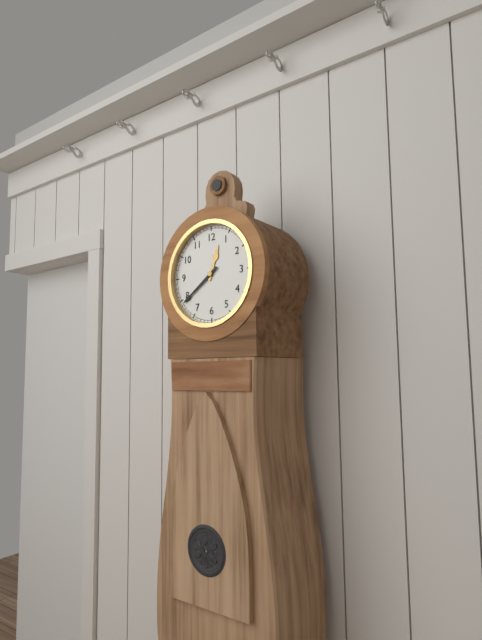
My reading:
12 h 39 min
